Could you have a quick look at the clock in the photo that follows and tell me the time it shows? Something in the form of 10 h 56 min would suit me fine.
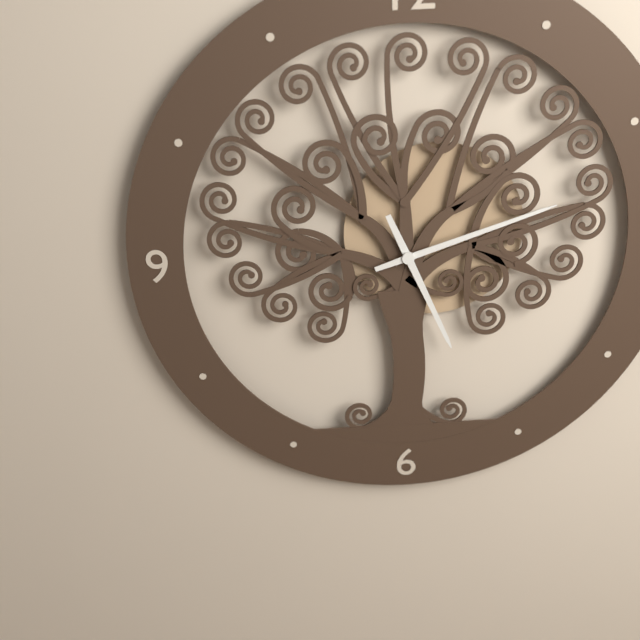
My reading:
5 h 12 min
